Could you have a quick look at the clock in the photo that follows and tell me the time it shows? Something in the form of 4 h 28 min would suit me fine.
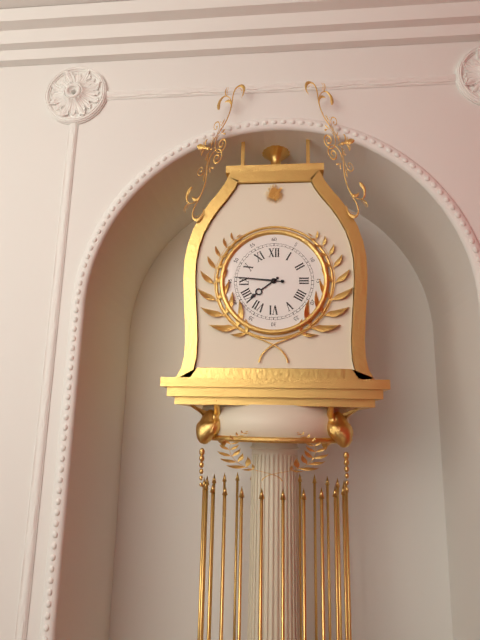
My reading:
7 h 46 min
